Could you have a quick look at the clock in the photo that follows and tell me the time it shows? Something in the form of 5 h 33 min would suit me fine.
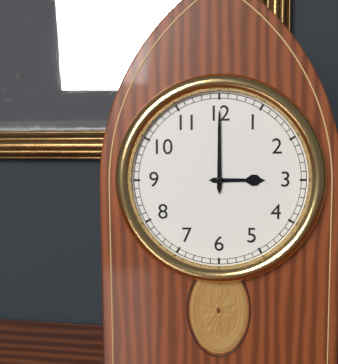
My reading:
3 h 00 min
